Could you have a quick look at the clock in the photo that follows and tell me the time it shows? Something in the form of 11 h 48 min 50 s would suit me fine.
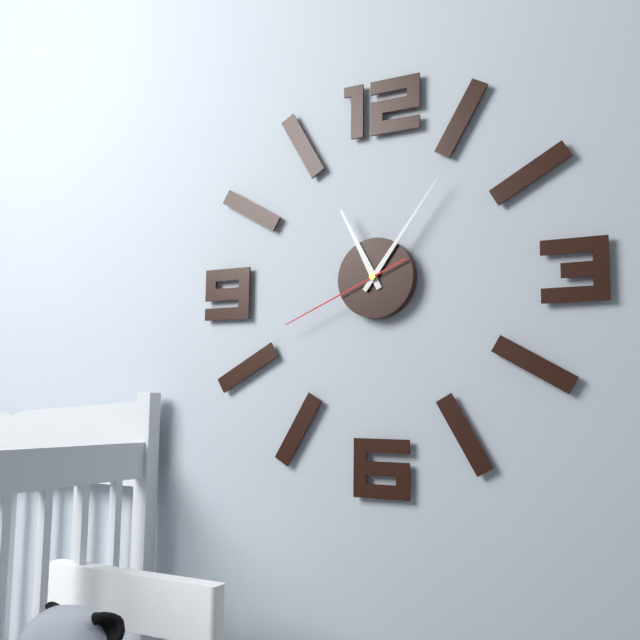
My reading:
11 h 06 min 41 s
